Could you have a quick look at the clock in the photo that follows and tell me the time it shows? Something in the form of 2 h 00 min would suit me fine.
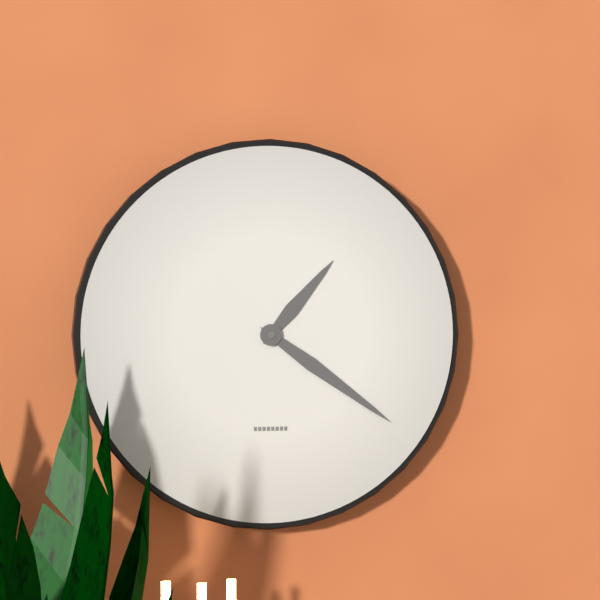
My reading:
1 h 21 min
